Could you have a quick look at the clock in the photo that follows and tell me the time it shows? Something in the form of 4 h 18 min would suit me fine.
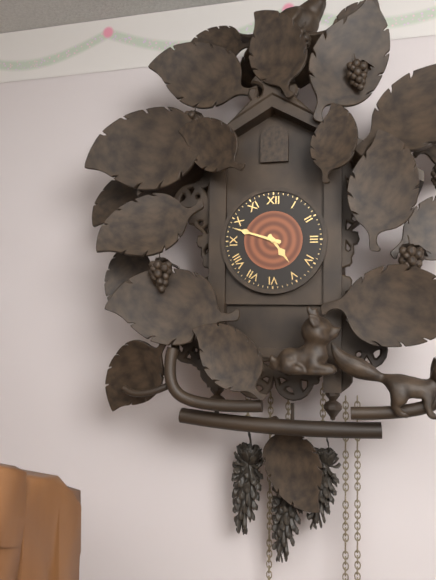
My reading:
4 h 48 min
